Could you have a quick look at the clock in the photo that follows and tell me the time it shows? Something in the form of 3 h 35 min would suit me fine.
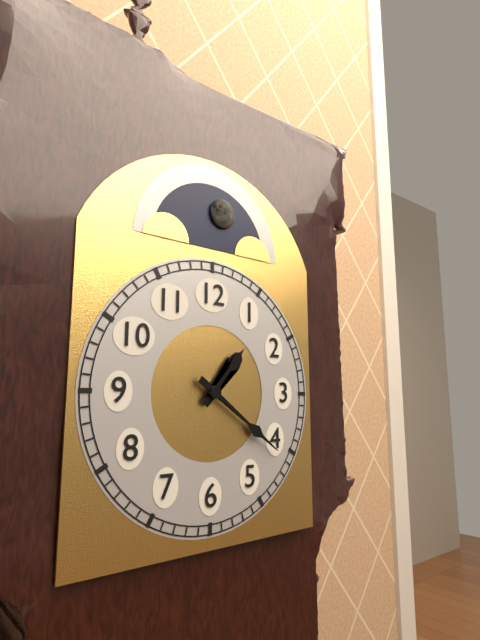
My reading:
1 h 21 min
